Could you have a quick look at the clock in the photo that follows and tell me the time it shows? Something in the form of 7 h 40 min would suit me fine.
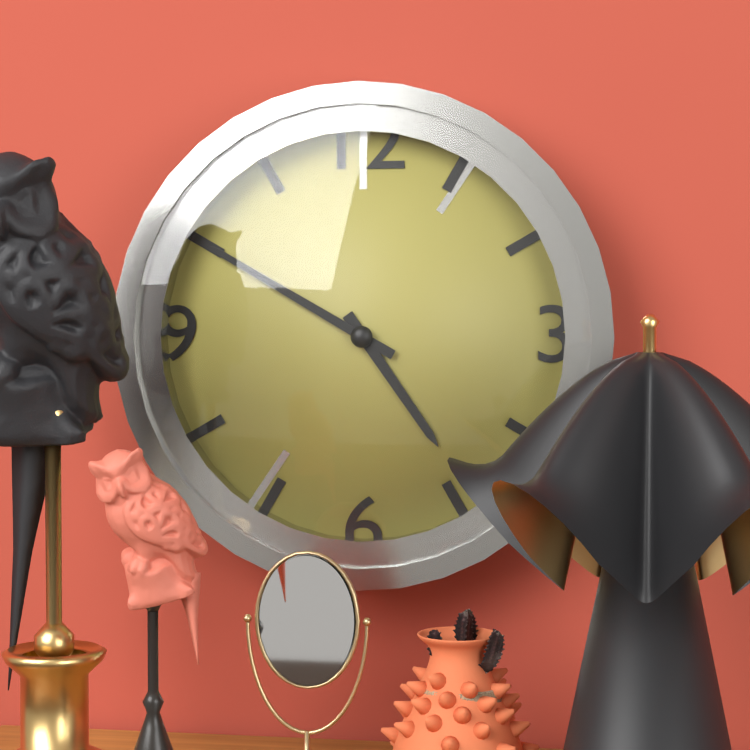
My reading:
4 h 50 min
